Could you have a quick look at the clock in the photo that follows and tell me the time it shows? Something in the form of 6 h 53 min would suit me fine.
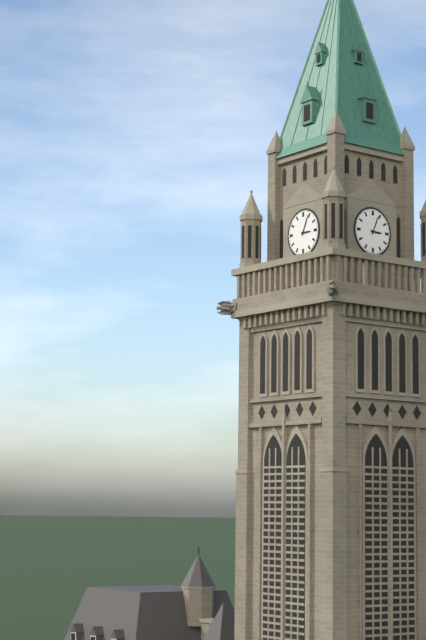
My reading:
3 h 04 min
